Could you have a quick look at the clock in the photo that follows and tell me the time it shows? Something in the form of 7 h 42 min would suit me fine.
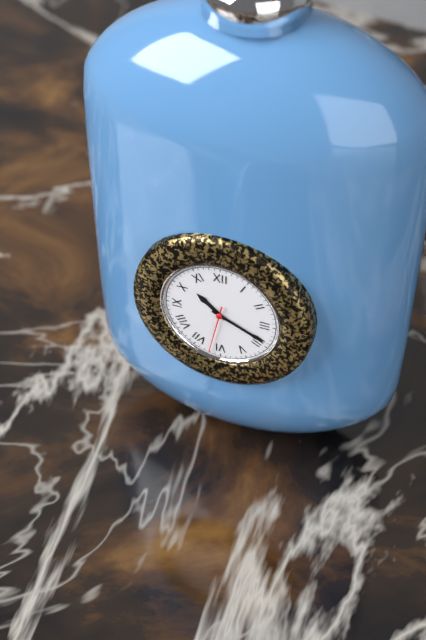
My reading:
10 h 19 min
